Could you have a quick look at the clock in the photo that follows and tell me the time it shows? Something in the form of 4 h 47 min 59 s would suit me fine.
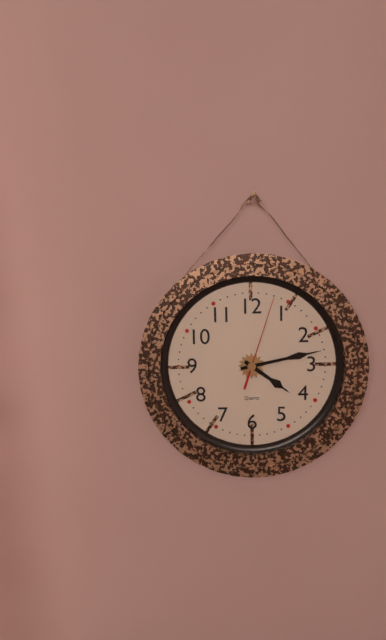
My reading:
4 h 13 min 03 s
